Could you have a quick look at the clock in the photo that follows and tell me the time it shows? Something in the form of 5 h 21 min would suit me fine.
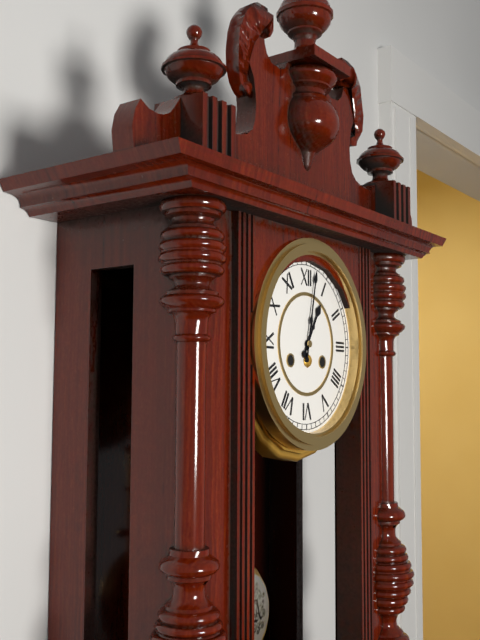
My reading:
1 h 02 min
